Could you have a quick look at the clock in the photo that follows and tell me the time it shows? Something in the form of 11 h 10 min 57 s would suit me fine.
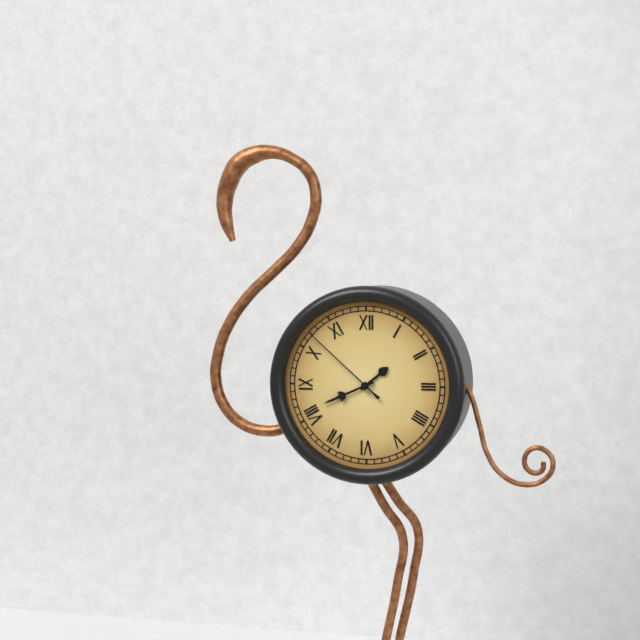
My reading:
1 h 41 min 52 s
